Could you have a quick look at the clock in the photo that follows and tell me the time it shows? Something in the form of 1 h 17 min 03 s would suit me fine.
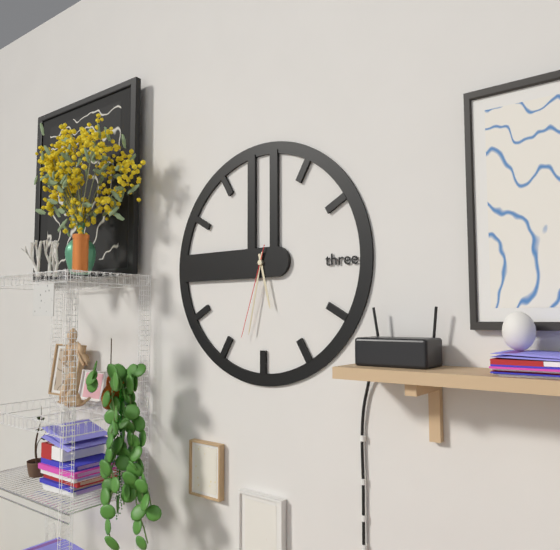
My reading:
5 h 32 min 33 s
